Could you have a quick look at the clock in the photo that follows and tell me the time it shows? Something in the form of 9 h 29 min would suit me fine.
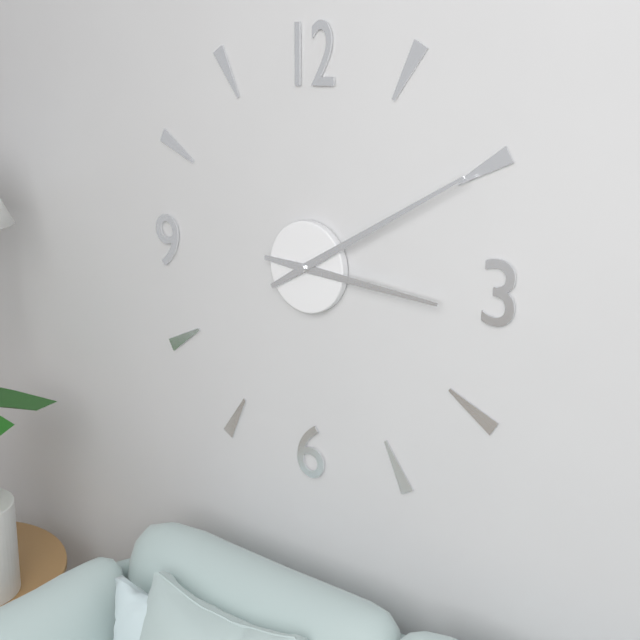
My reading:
3 h 10 min
